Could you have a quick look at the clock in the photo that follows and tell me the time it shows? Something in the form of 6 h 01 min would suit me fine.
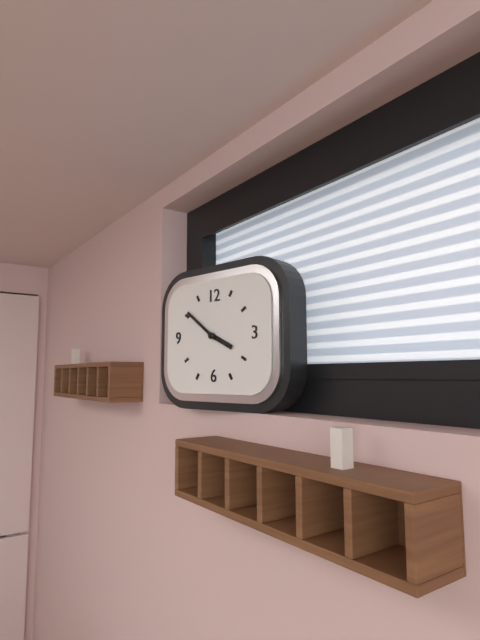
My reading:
3 h 51 min
